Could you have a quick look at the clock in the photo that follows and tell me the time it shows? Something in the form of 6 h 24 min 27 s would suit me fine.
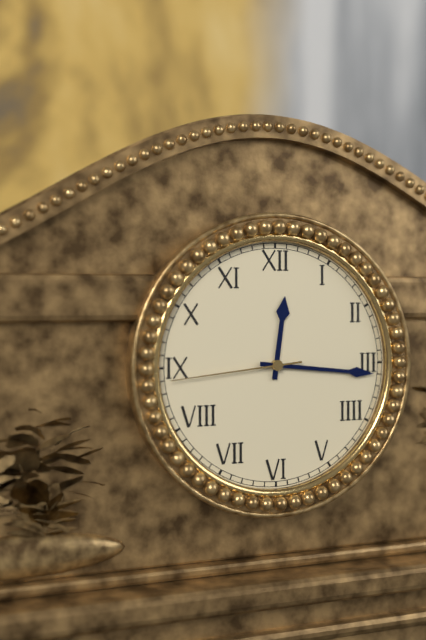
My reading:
12 h 16 min 44 s
